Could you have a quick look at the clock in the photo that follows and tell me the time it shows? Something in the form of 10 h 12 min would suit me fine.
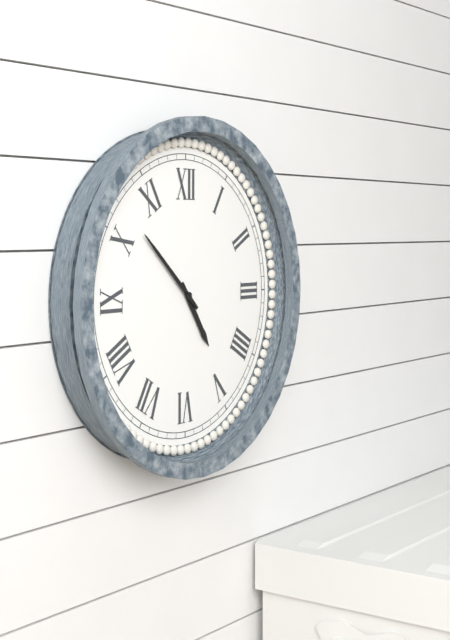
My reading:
4 h 52 min
